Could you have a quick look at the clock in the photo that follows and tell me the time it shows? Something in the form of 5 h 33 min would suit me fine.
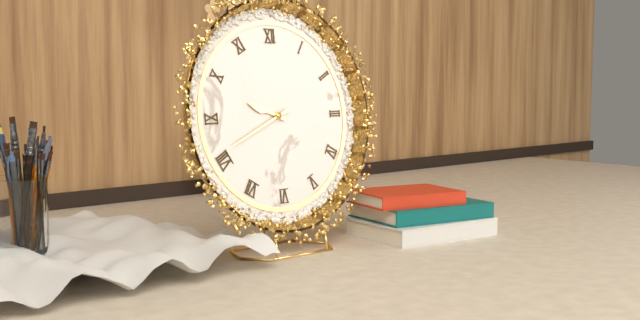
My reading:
9 h 41 min
